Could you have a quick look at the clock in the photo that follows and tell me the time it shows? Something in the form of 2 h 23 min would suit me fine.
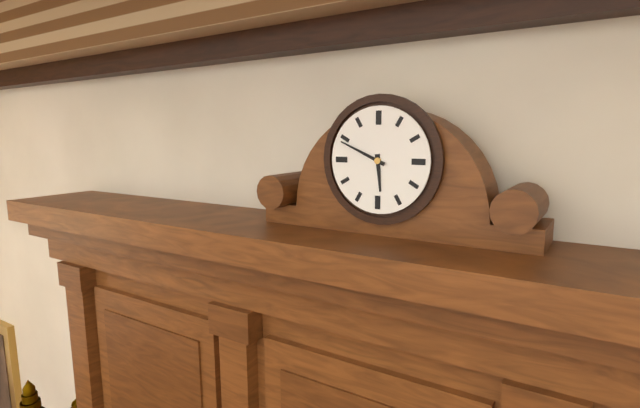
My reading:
5 h 49 min
